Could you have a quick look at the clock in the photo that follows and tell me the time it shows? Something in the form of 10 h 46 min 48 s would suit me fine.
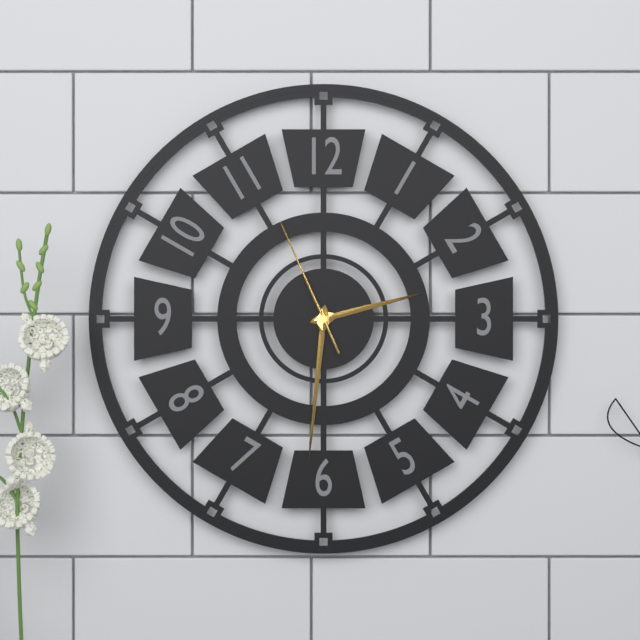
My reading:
2 h 31 min 56 s
